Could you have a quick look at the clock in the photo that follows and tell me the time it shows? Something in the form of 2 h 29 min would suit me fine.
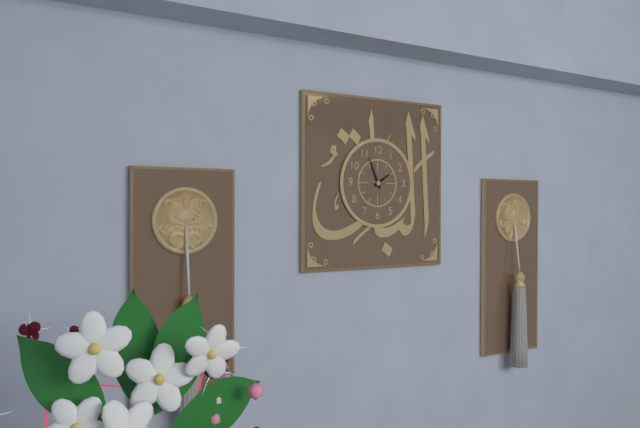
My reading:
1 h 56 min
